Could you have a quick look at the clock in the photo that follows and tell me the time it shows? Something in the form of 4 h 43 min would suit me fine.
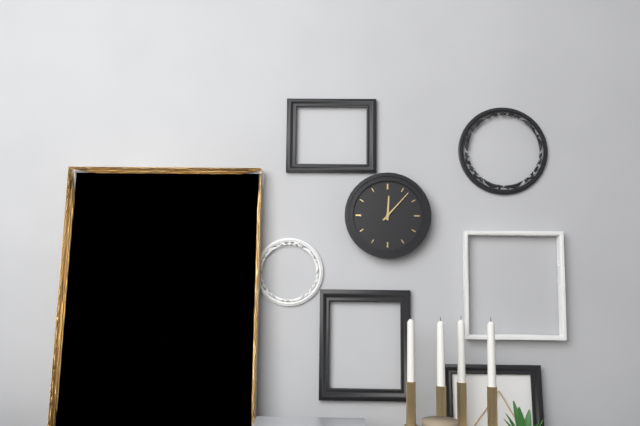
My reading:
12 h 07 min
